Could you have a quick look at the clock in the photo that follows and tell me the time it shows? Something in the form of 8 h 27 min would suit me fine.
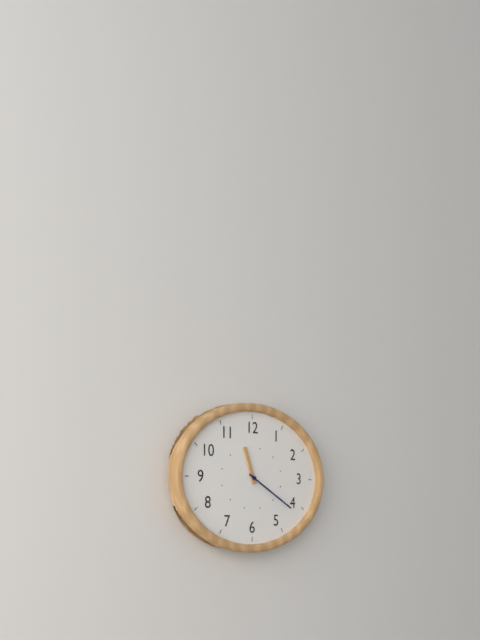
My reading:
11 h 20 min
